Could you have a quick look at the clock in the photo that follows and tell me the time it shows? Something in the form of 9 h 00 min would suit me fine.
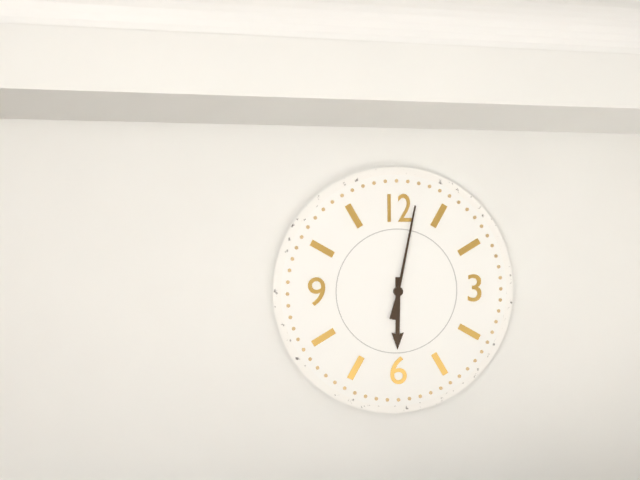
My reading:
6 h 02 min
